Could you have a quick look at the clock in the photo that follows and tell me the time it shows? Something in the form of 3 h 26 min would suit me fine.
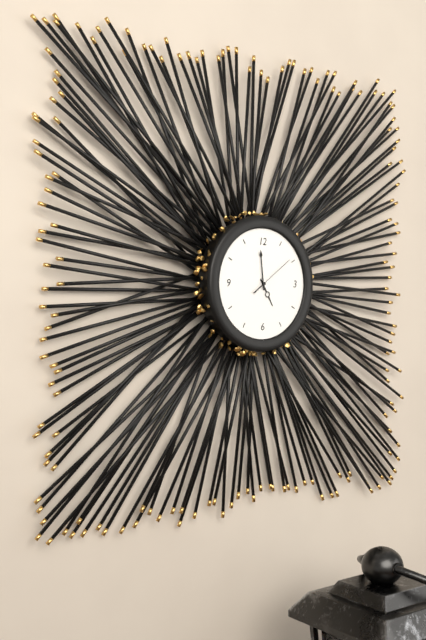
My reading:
4 h 59 min
